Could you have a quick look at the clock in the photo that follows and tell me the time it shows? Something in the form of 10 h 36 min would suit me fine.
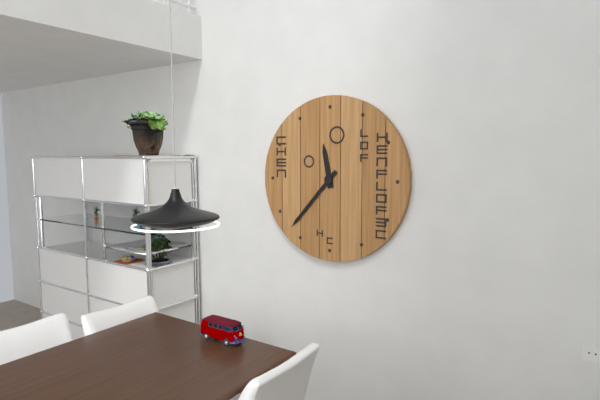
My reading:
11 h 37 min
